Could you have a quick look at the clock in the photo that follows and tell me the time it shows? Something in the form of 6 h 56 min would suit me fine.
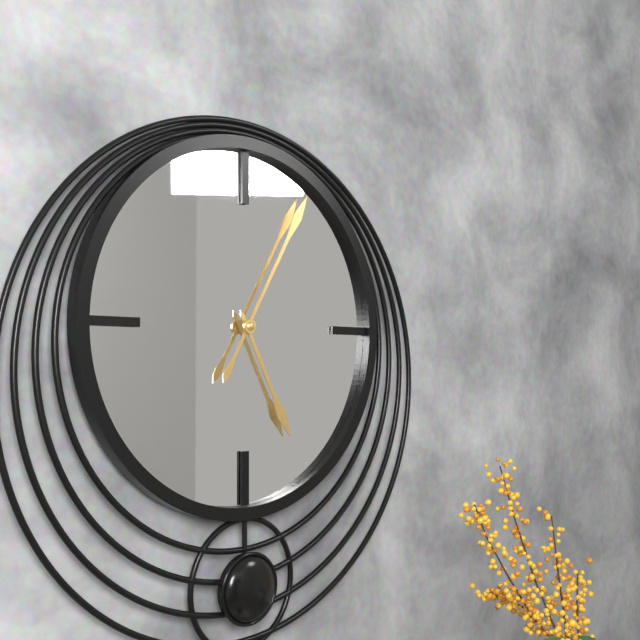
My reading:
5 h 05 min
